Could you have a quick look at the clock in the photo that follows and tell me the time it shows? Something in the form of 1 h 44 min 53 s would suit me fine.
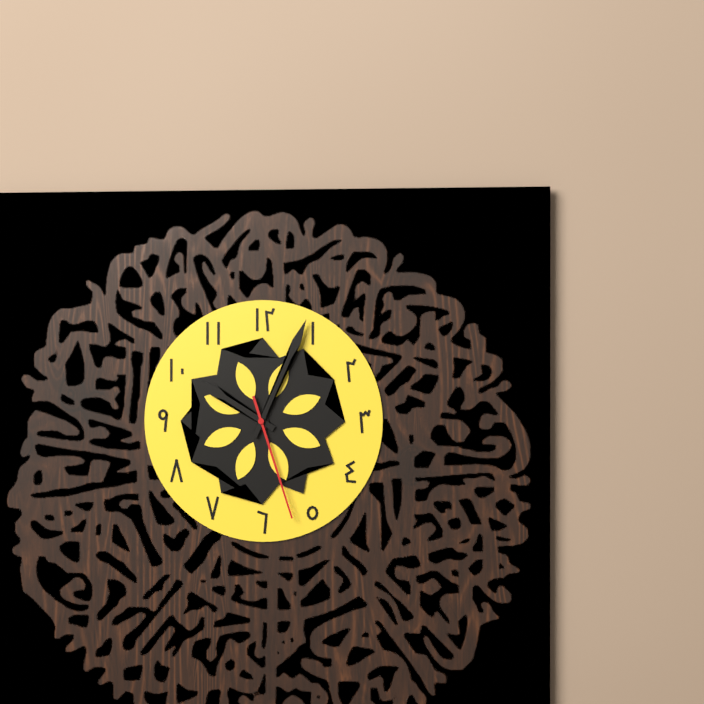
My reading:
10 h 04 min 27 s
